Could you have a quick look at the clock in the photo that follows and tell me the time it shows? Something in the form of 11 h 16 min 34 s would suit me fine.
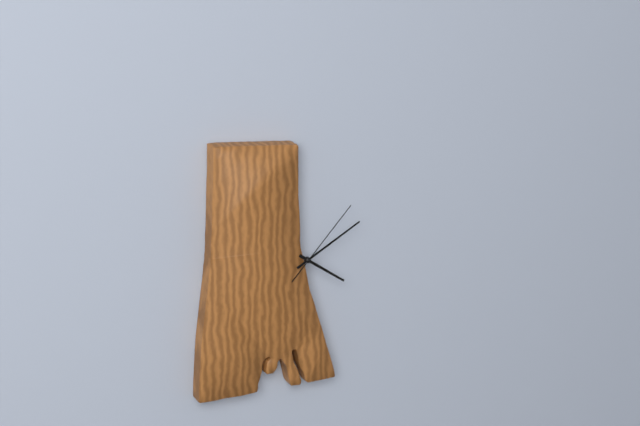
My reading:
4 h 10 min 07 s
